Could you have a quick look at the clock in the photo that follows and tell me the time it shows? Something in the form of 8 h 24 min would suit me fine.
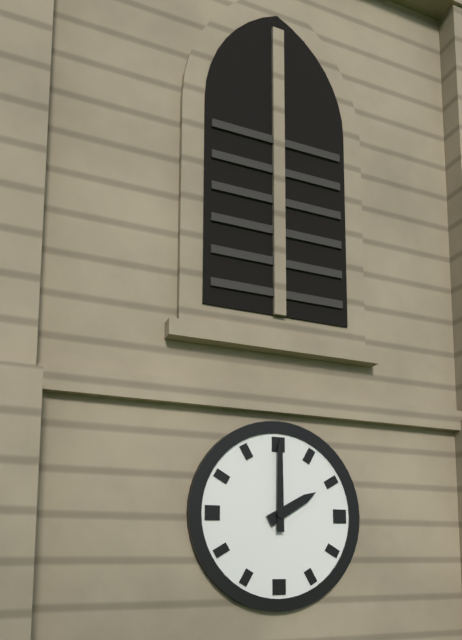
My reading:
2 h 00 min
